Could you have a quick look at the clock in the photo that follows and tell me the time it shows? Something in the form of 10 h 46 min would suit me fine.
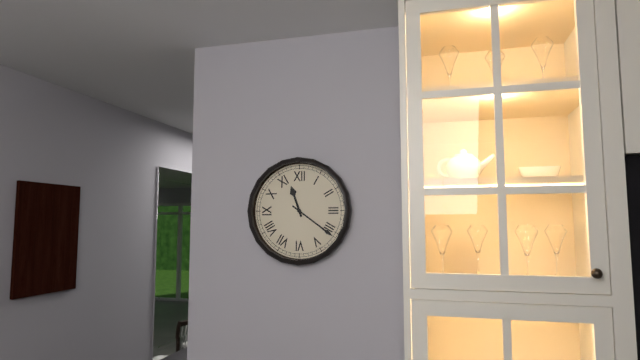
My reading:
11 h 21 min
